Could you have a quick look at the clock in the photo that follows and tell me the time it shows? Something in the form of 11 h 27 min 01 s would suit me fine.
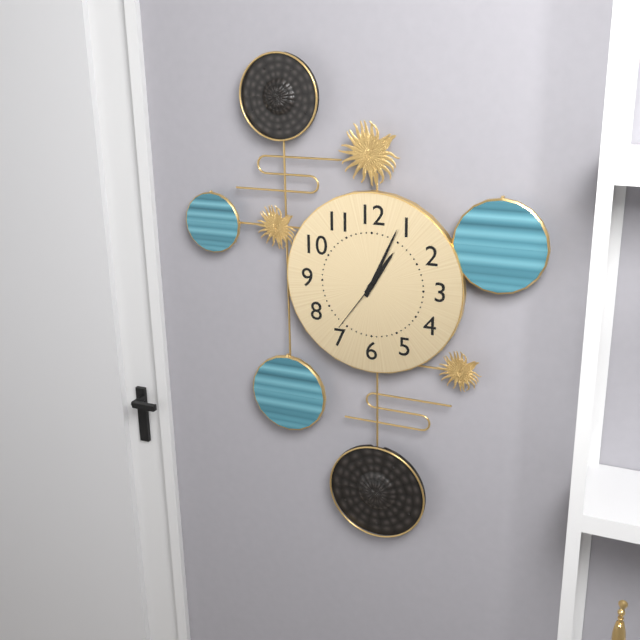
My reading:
1 h 04 min 36 s
